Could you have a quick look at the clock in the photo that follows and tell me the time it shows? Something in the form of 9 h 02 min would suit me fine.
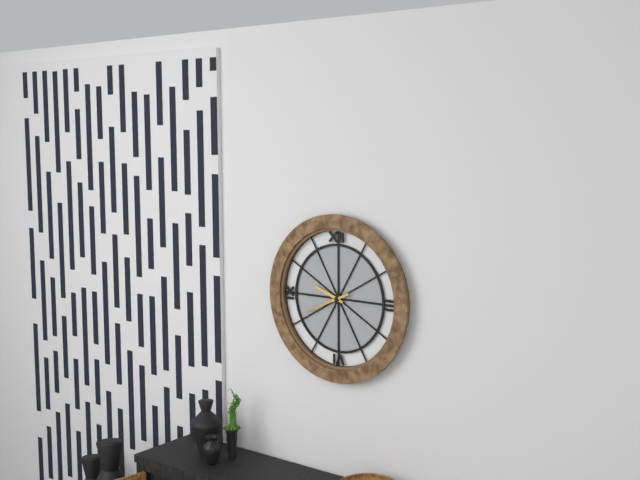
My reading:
9 h 41 min
